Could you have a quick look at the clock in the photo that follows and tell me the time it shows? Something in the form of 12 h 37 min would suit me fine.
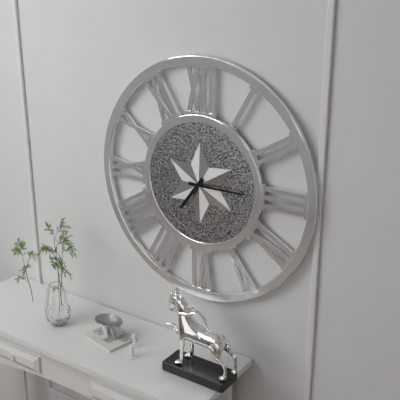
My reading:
7 h 15 min
